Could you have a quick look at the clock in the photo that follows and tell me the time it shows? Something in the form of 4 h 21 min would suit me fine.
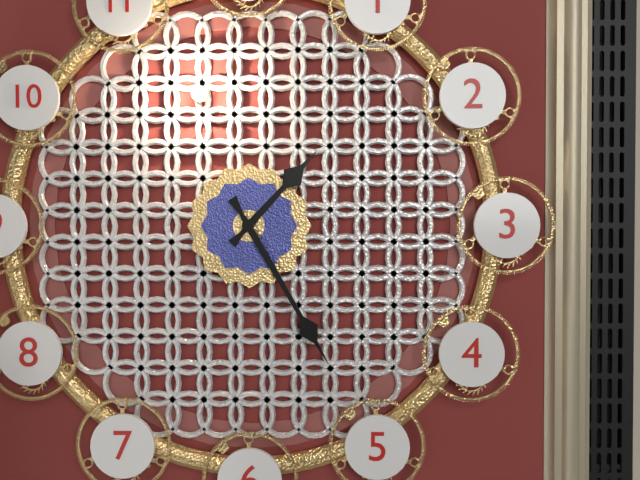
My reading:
1 h 25 min
